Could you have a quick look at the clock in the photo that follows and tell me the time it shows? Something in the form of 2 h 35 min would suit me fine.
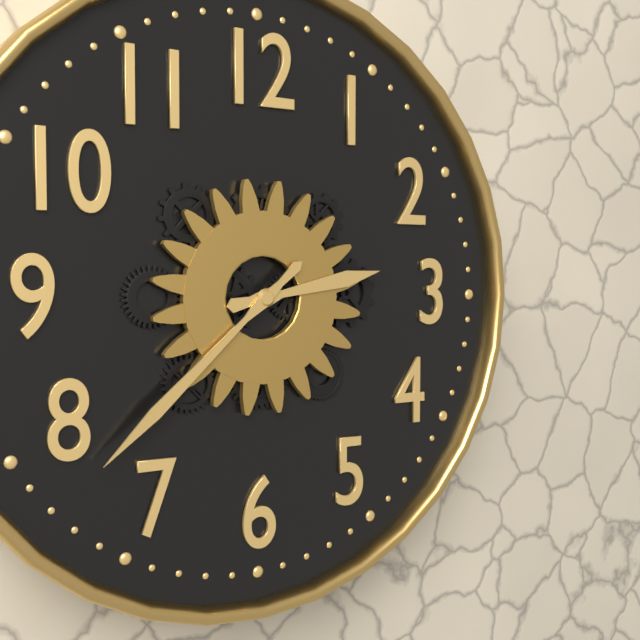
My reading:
2 h 38 min
